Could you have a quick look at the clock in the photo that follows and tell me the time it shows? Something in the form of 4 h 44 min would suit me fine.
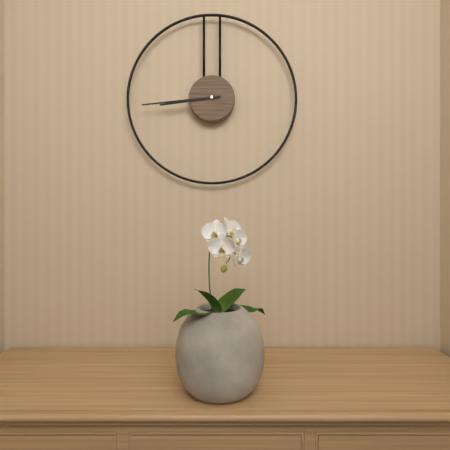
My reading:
8 h 44 min
